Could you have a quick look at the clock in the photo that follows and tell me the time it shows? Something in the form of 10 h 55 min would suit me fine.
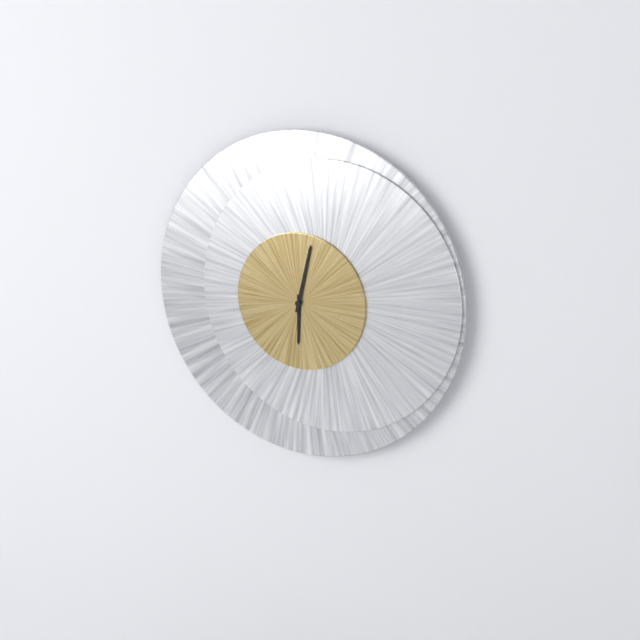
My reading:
6 h 02 min
